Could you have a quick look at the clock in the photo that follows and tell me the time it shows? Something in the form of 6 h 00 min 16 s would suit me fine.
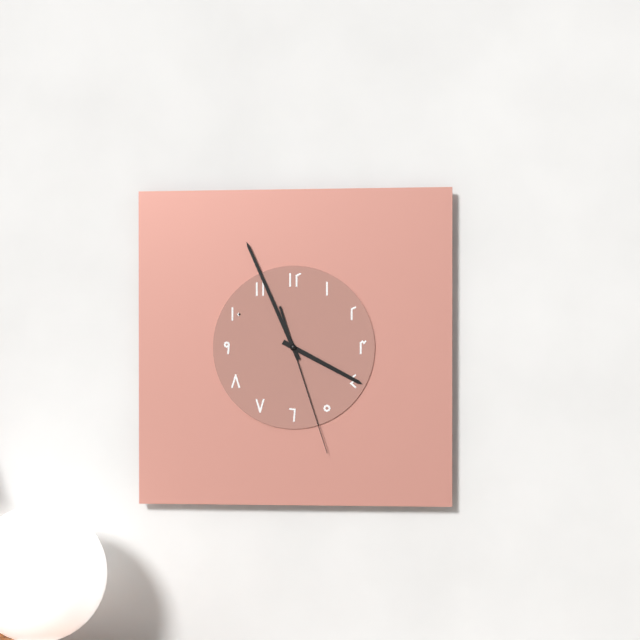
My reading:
3 h 56 min 27 s
